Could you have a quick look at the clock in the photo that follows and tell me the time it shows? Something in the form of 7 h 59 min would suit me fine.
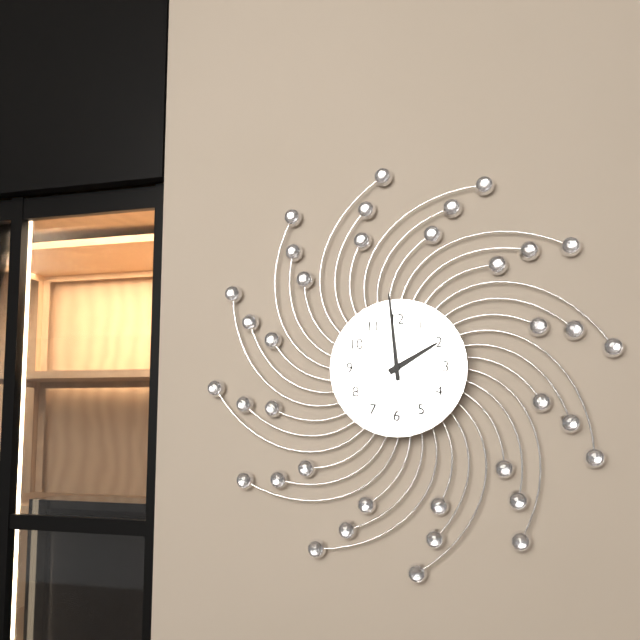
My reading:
1 h 59 min
